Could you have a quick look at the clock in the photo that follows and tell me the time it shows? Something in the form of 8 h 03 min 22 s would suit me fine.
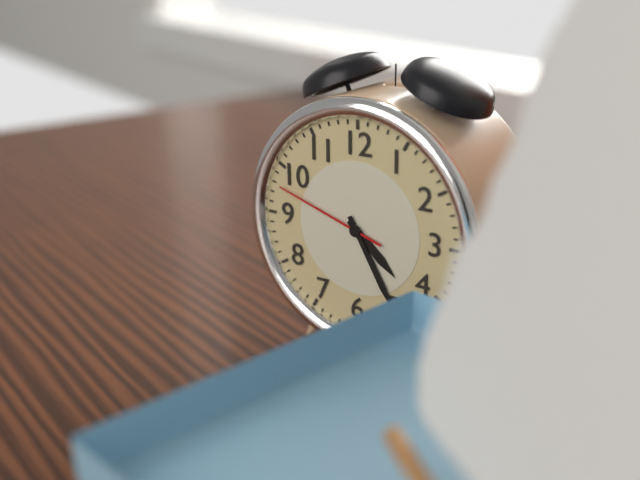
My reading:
4 h 25 min 48 s
